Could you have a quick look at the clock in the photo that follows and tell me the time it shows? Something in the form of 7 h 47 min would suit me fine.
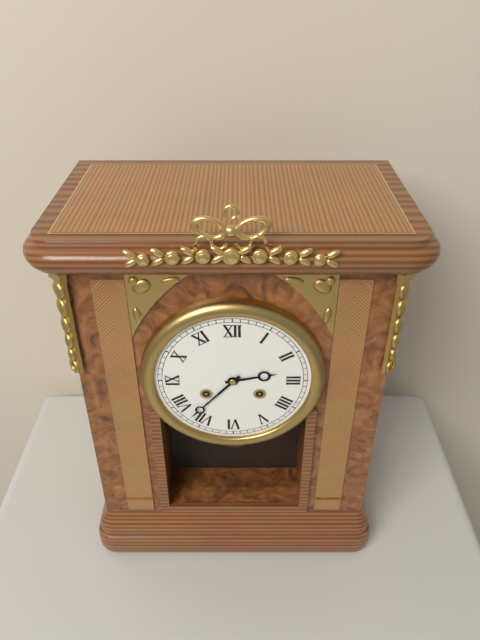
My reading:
2 h 37 min
